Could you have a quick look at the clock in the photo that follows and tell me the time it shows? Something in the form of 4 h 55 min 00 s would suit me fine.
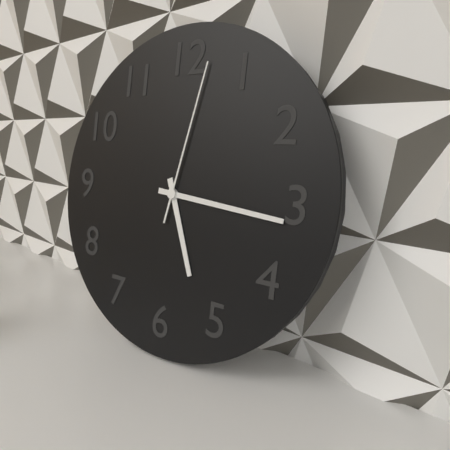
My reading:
5 h 16 min 02 s
